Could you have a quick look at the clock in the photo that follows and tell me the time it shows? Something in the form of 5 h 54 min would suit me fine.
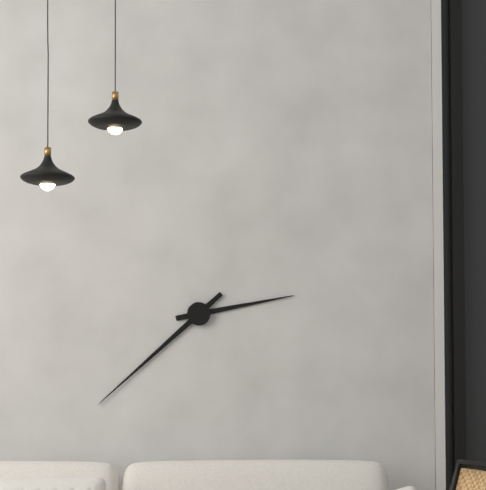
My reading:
2 h 38 min
